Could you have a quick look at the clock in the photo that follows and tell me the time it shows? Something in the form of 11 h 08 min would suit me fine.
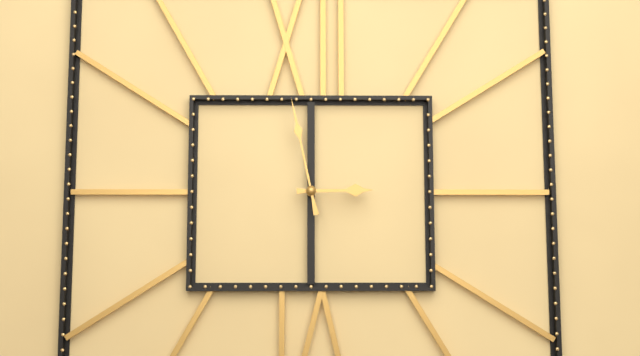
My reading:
2 h 58 min
